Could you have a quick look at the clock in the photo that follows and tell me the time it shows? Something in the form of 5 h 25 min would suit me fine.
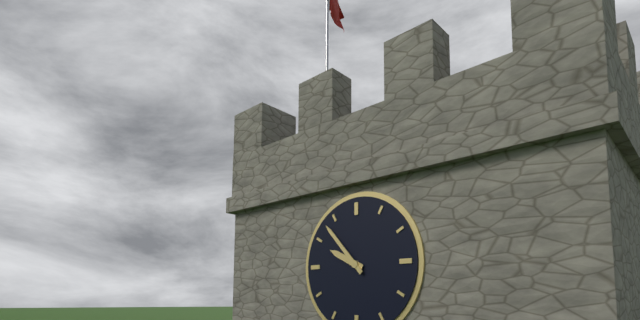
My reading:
9 h 53 min
